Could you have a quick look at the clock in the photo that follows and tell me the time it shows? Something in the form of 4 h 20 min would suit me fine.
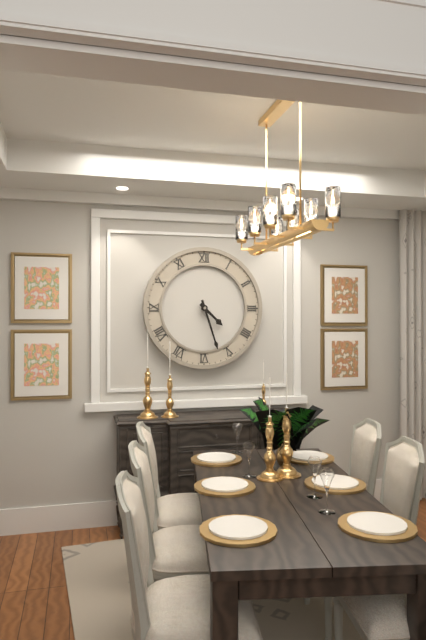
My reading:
4 h 27 min
